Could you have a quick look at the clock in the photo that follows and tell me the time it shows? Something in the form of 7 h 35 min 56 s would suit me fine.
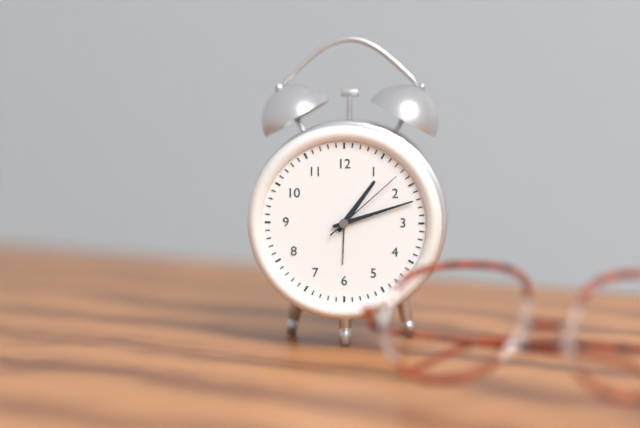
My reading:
1 h 12 min 08 s
